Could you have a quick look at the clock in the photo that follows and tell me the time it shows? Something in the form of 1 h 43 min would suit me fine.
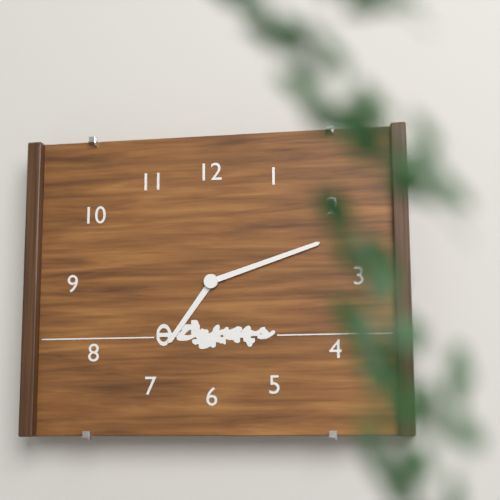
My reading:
7 h 12 min
